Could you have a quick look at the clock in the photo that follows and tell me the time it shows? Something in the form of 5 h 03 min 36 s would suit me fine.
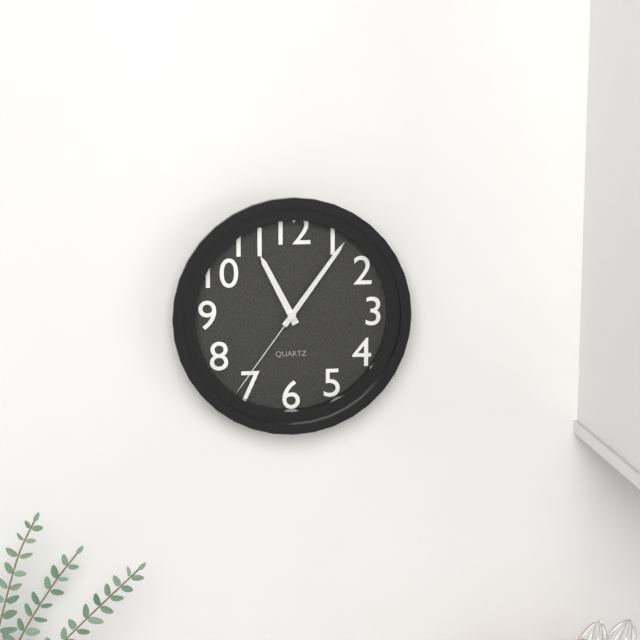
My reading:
11 h 06 min 36 s
